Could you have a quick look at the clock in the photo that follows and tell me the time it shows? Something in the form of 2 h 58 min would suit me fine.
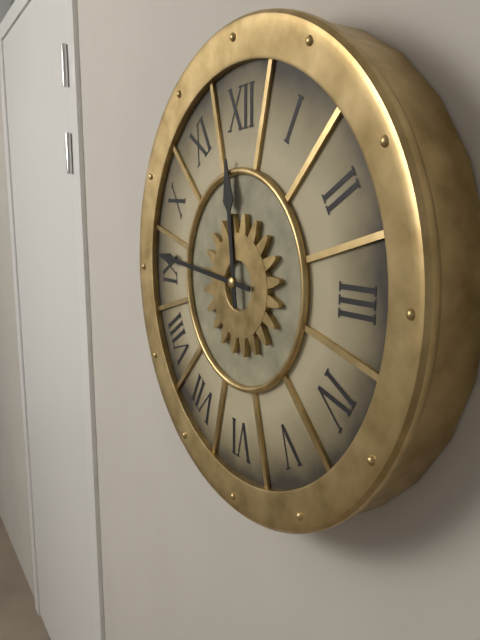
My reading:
11 h 46 min
